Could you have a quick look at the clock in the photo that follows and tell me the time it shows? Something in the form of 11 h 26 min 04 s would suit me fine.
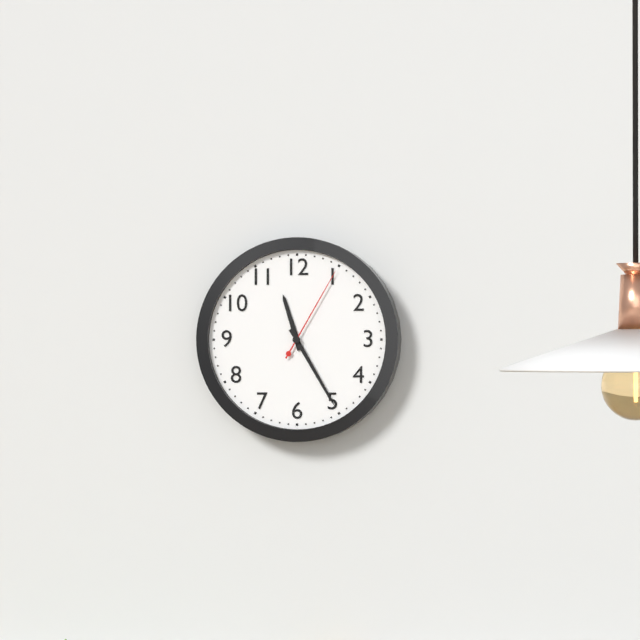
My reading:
11 h 25 min 05 s
